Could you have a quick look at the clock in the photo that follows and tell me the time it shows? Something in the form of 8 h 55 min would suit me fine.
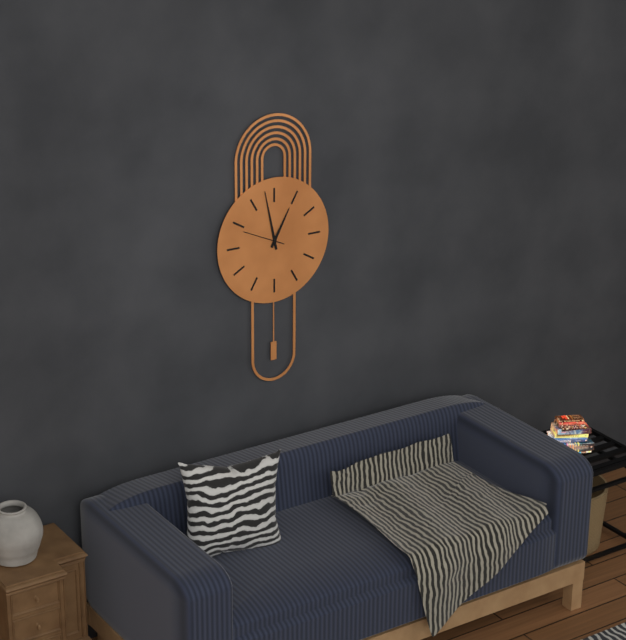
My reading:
12 h 58 min
